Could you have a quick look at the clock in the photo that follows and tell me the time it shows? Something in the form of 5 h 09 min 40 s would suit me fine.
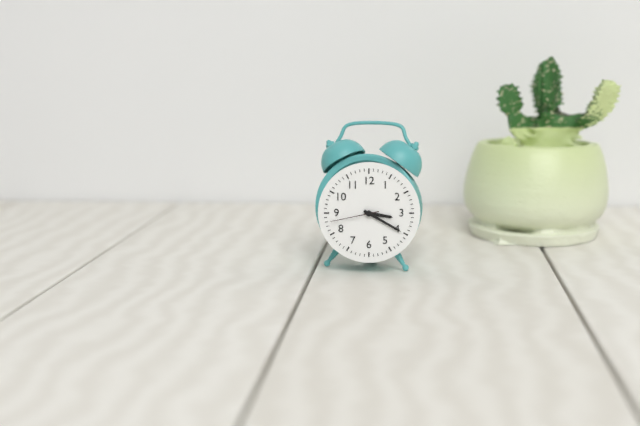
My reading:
3 h 20 min 43 s
